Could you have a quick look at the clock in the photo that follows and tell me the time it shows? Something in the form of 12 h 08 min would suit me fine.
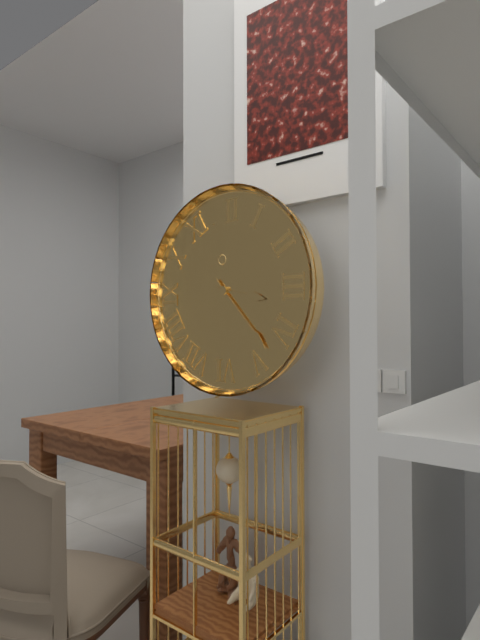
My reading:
3 h 23 min
